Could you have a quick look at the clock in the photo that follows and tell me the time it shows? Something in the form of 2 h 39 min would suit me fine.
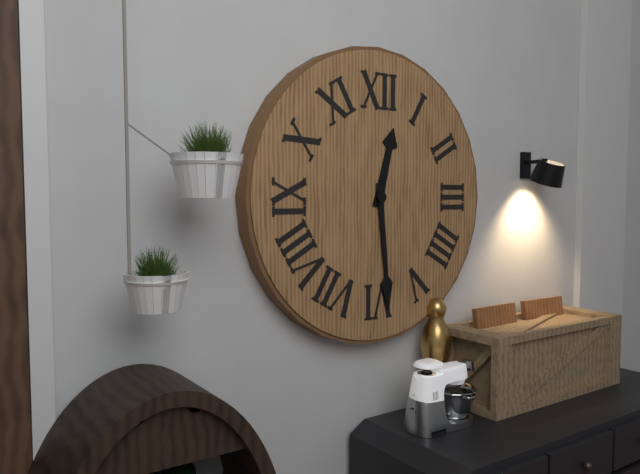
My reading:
12 h 29 min
